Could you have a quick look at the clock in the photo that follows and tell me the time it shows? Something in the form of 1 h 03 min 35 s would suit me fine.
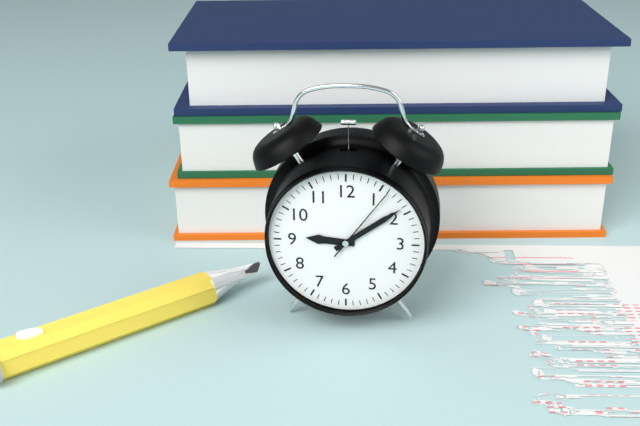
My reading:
9 h 09 min 06 s
